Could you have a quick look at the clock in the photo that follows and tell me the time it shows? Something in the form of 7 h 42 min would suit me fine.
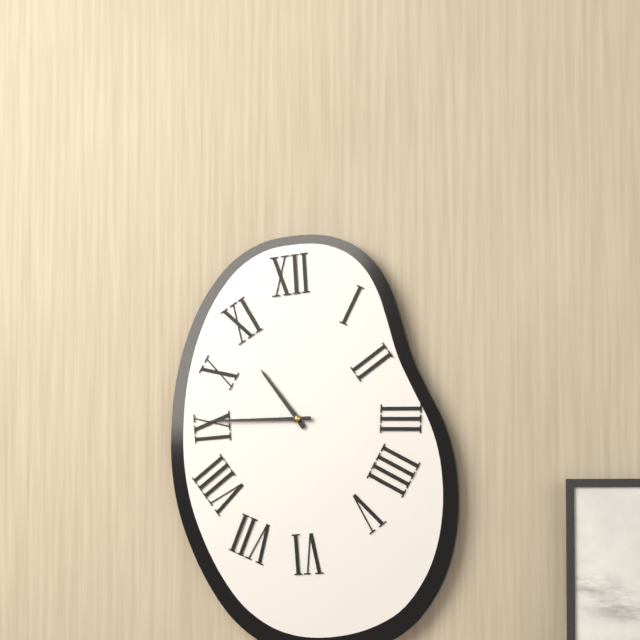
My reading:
10 h 45 min
